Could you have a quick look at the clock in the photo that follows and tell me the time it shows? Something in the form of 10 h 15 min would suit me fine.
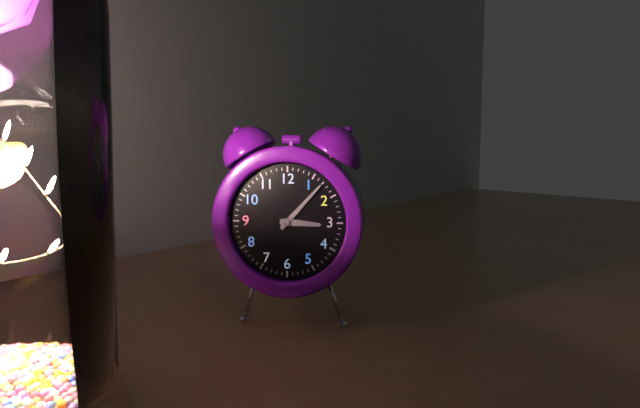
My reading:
3 h 07 min
